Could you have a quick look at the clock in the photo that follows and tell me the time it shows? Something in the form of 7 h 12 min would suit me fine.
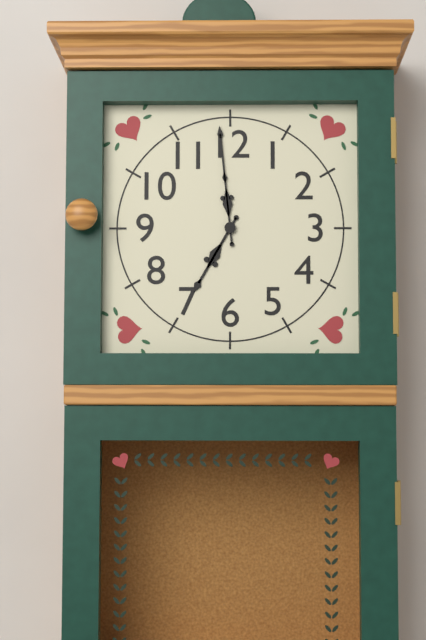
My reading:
6 h 59 min
